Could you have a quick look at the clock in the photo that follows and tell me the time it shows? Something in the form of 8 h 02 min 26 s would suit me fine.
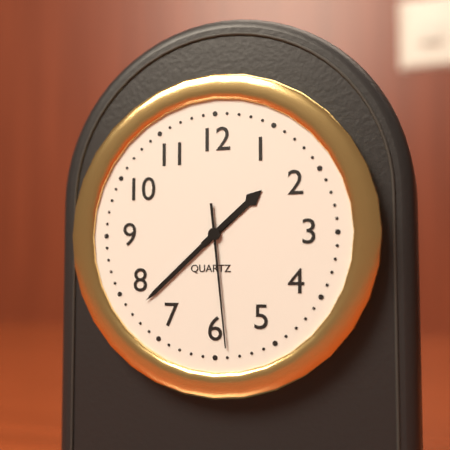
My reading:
1 h 38 min 29 s
